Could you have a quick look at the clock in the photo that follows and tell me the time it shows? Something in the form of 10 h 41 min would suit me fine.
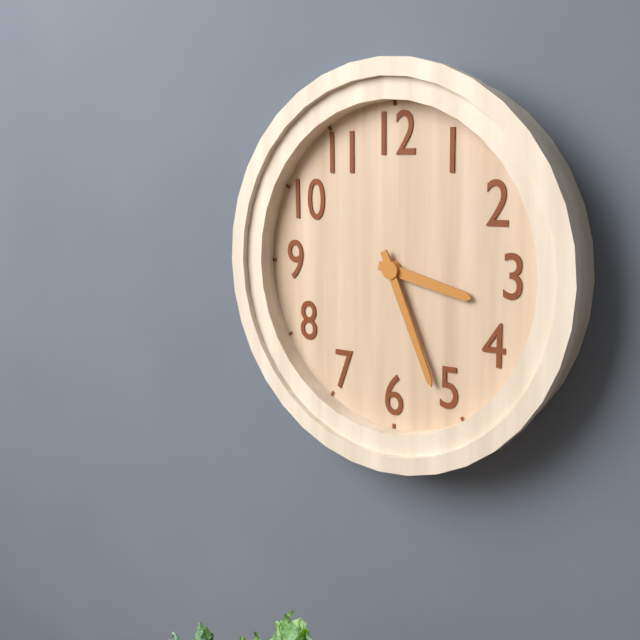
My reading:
3 h 26 min
